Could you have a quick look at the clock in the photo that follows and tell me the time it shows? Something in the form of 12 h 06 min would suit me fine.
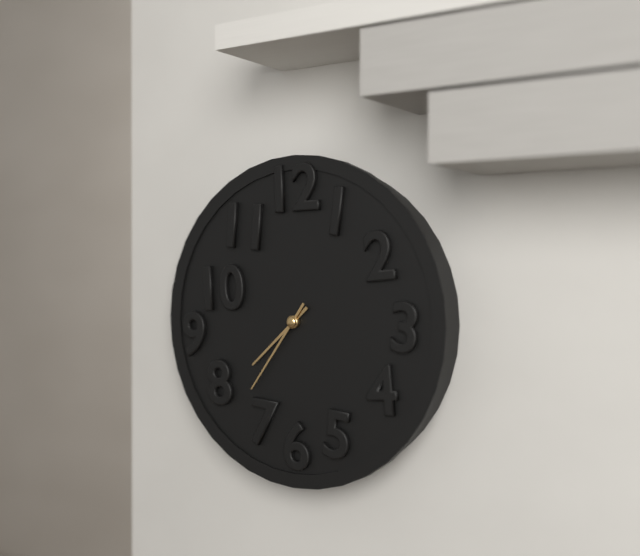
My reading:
7 h 36 min
